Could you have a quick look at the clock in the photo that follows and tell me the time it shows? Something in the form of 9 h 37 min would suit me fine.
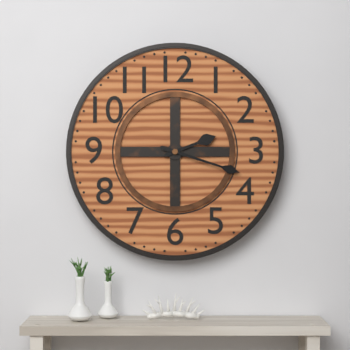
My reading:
2 h 18 min
